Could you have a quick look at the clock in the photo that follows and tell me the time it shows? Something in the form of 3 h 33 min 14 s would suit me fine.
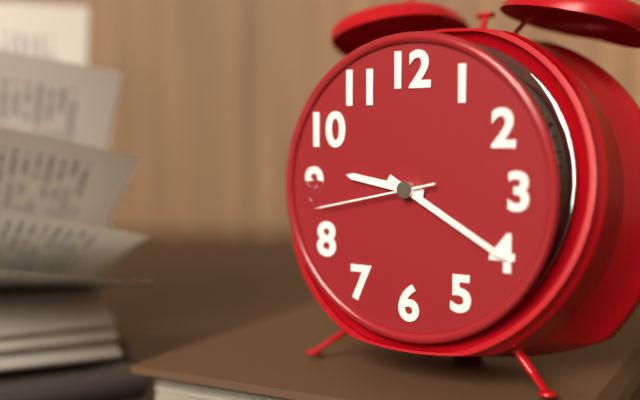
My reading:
9 h 20 min 43 s
